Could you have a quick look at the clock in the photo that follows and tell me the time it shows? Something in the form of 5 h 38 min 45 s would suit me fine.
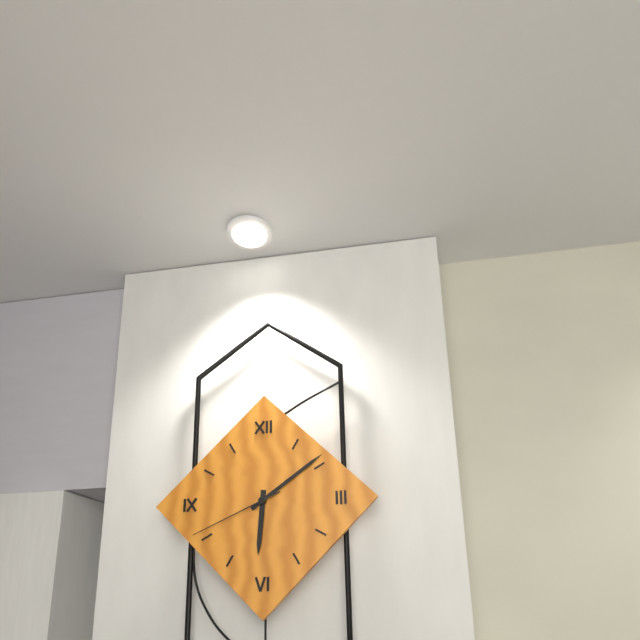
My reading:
6 h 09 min 41 s
